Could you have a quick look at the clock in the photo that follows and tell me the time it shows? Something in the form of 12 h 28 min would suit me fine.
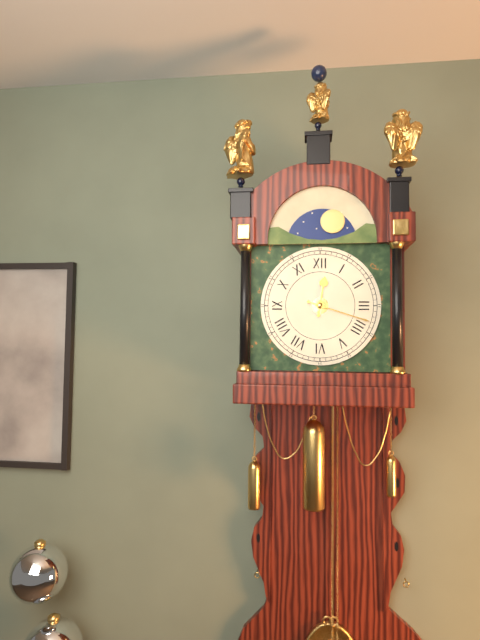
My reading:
12 h 18 min
